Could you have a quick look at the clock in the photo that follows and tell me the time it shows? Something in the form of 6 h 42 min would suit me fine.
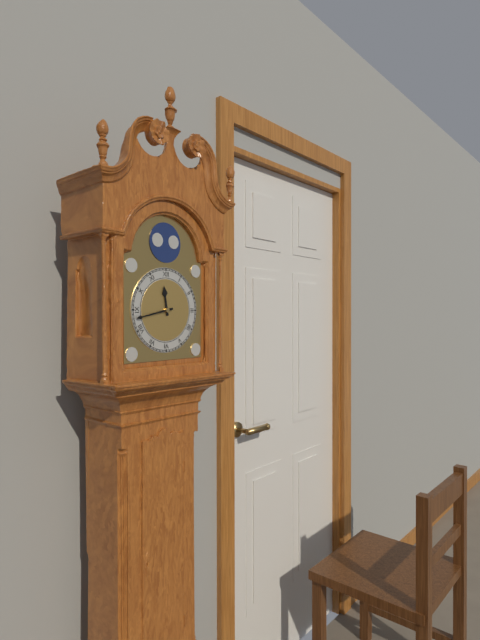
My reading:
11 h 43 min
